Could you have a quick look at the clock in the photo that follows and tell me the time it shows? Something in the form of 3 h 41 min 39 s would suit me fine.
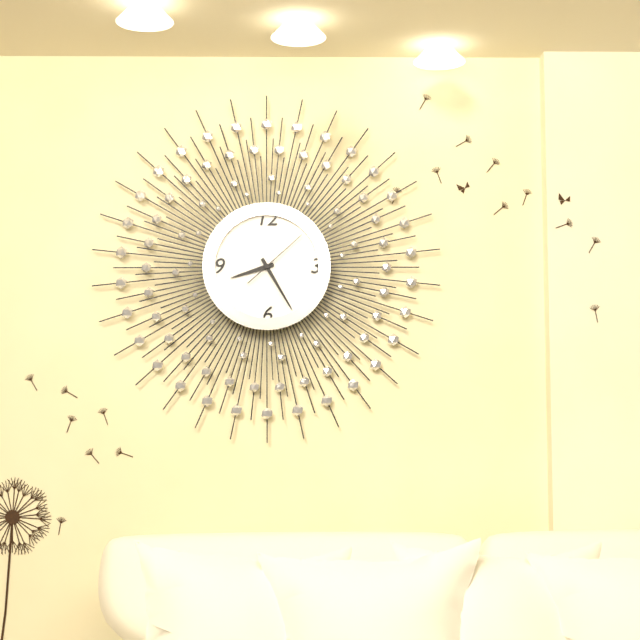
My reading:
8 h 25 min 08 s
